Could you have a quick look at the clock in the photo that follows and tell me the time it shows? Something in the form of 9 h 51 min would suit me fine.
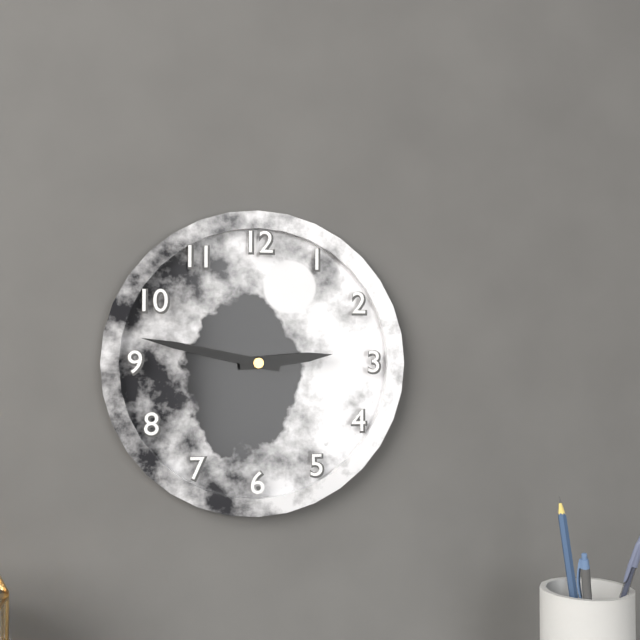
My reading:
2 h 47 min
